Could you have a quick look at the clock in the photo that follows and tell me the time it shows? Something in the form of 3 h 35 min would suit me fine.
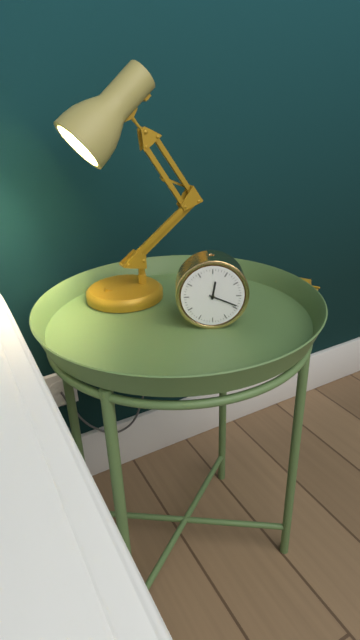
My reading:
12 h 19 min
